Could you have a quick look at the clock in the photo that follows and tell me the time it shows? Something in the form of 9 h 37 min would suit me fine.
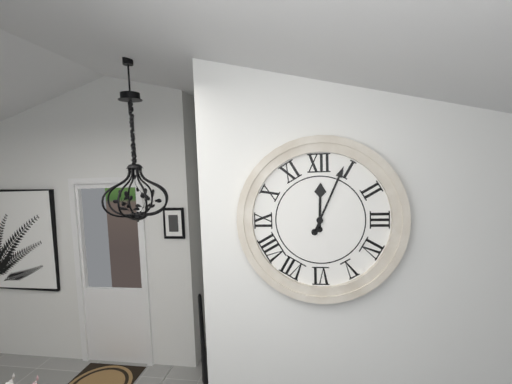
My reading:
12 h 04 min
